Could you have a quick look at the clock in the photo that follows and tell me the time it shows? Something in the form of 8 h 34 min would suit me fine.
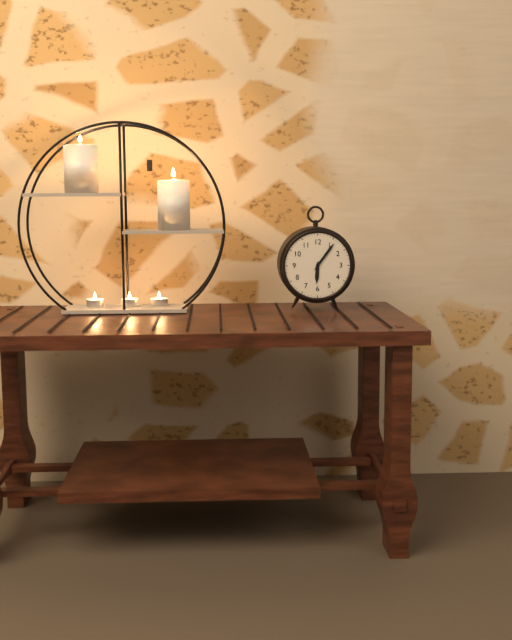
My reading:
6 h 06 min
